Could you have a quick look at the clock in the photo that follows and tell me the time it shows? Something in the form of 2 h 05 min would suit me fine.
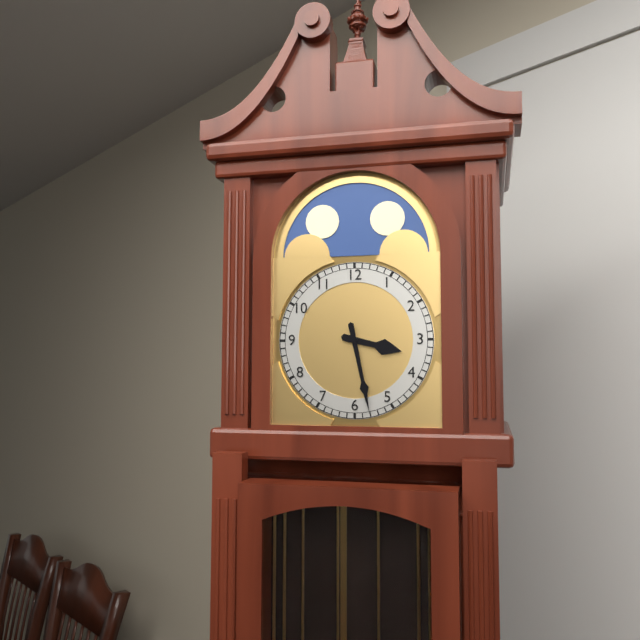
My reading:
3 h 28 min
